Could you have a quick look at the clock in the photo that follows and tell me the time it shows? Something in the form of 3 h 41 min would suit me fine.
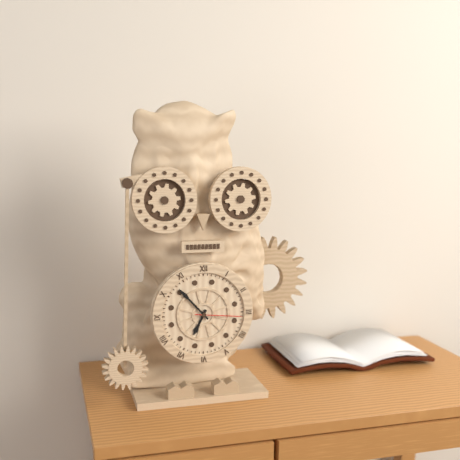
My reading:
6 h 53 min
